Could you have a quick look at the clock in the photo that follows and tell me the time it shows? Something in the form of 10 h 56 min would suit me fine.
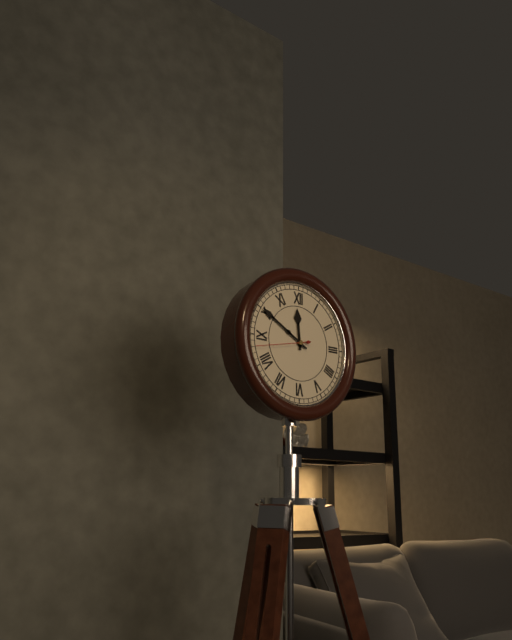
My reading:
11 h 50 min
